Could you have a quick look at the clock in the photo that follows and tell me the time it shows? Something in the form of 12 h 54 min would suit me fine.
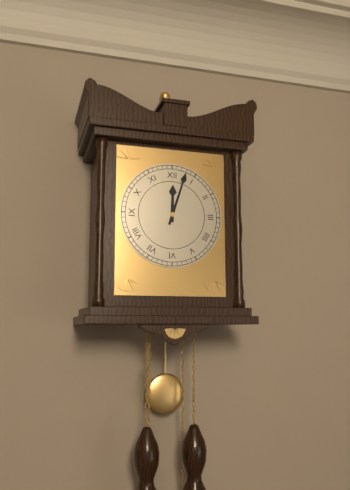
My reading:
12 h 03 min
